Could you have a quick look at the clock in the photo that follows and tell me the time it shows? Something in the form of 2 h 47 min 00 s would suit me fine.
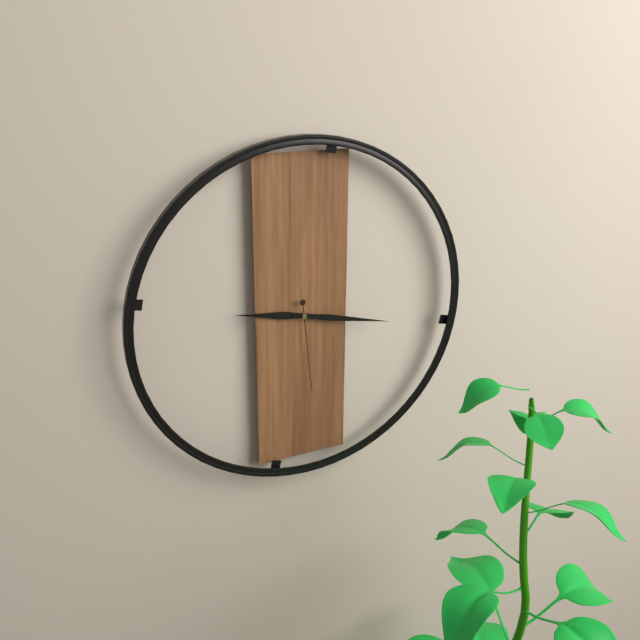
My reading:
9 h 17 min 29 s
